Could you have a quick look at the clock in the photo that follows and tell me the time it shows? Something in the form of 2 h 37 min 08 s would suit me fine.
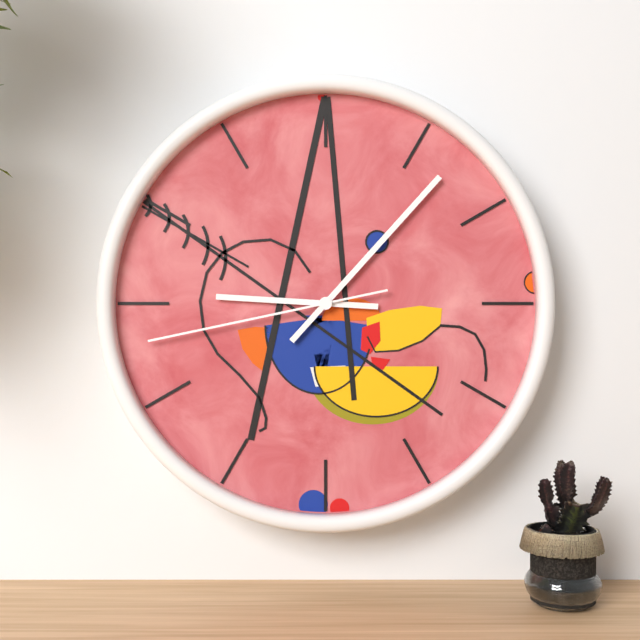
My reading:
9 h 07 min 43 s
